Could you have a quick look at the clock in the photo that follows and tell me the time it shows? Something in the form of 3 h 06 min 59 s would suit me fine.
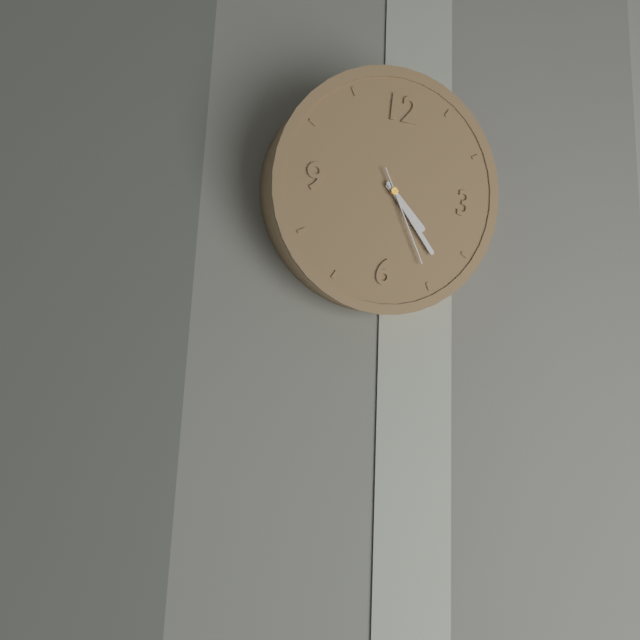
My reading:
4 h 23 min 25 s
